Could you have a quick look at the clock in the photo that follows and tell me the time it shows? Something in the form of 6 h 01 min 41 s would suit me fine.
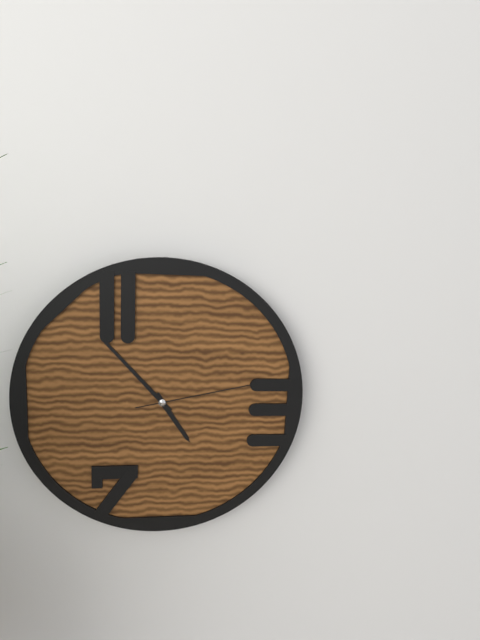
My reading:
4 h 53 min 13 s
